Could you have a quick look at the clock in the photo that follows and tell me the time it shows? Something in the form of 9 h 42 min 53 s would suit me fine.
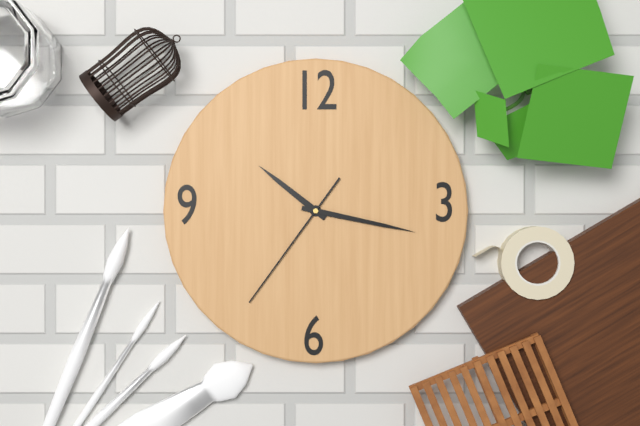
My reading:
10 h 17 min 36 s
